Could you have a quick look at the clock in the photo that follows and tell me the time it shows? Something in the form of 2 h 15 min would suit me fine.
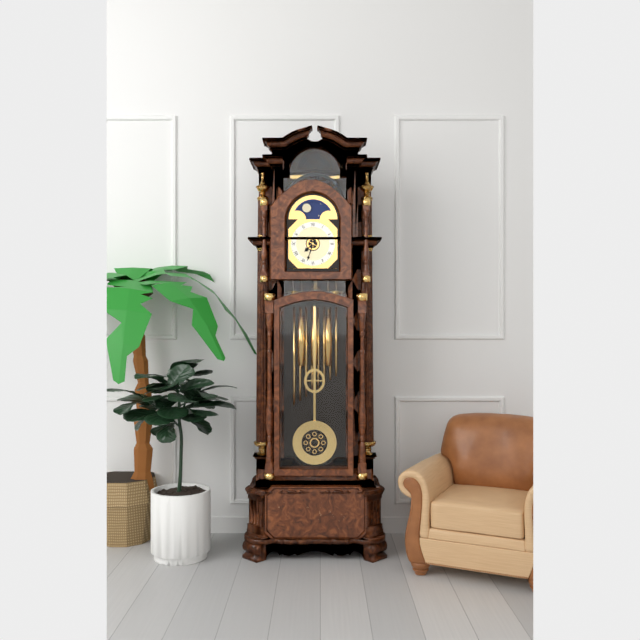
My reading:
7 h 33 min
